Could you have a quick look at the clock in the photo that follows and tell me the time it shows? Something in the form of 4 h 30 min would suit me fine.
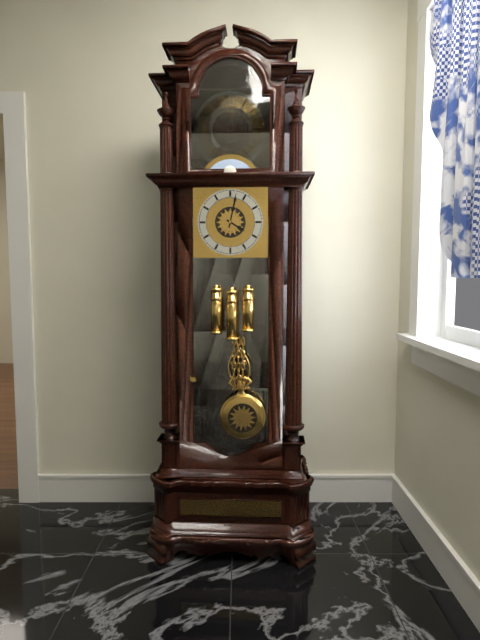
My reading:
4 h 02 min
